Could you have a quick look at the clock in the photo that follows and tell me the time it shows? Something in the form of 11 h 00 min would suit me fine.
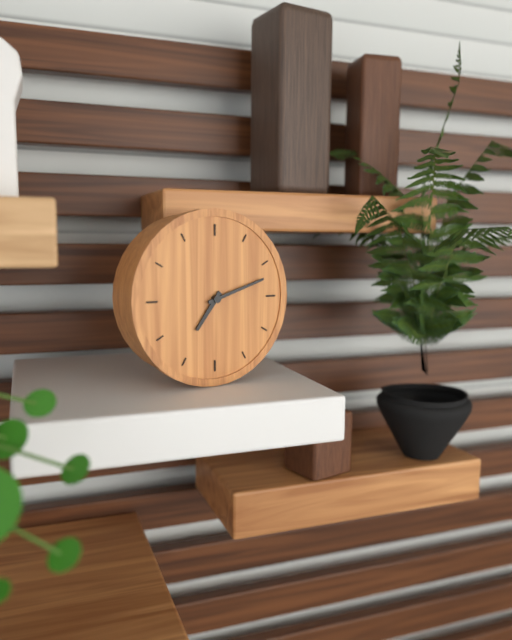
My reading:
7 h 12 min
